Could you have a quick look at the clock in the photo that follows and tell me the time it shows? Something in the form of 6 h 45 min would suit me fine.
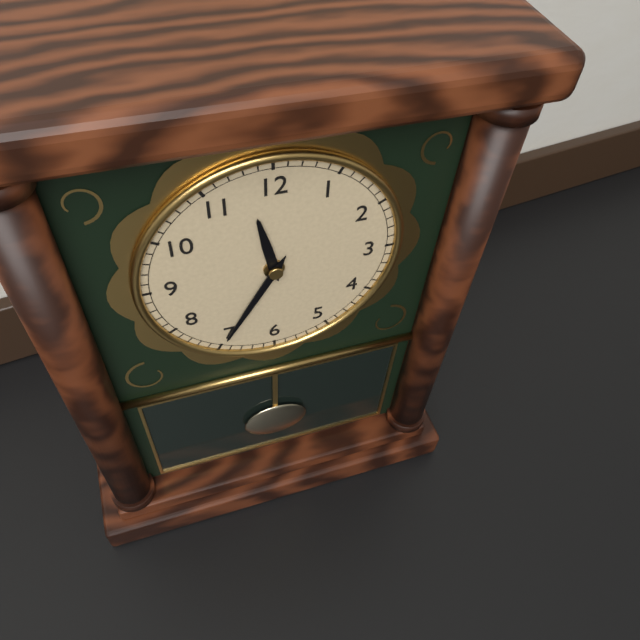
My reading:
11 h 35 min
